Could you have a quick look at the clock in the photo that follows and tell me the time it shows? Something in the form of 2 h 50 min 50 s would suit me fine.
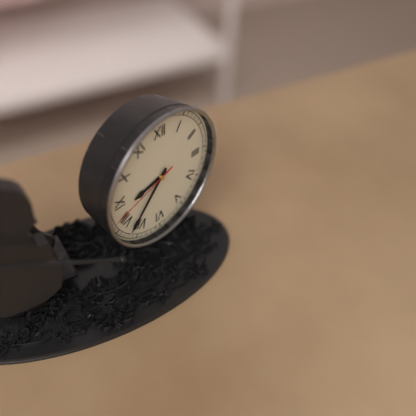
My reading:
8 h 37 min 42 s
